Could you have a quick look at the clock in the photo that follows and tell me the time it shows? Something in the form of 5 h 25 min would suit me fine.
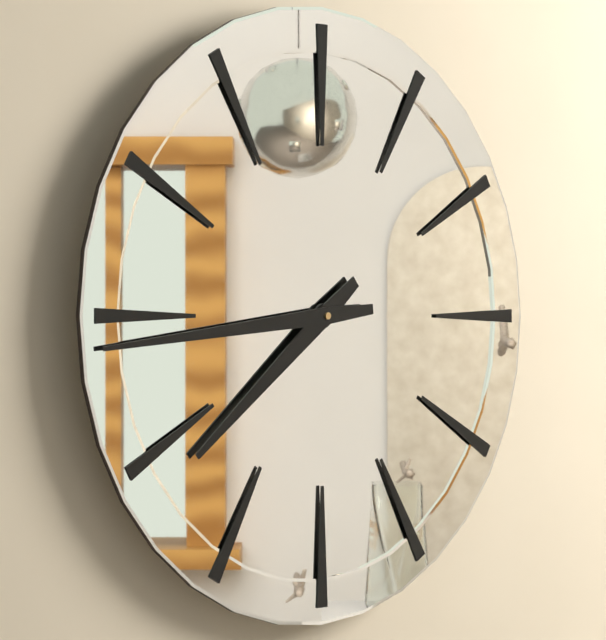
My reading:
7 h 44 min
